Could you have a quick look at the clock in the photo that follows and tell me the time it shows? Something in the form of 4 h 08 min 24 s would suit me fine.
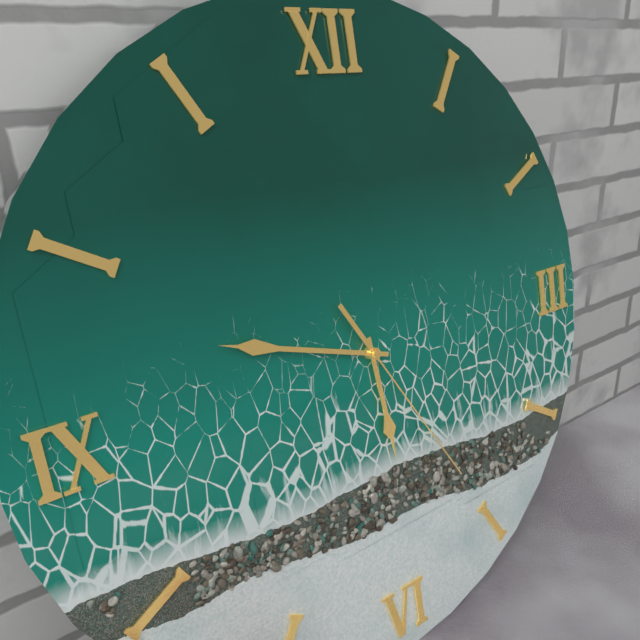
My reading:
5 h 48 min 25 s
